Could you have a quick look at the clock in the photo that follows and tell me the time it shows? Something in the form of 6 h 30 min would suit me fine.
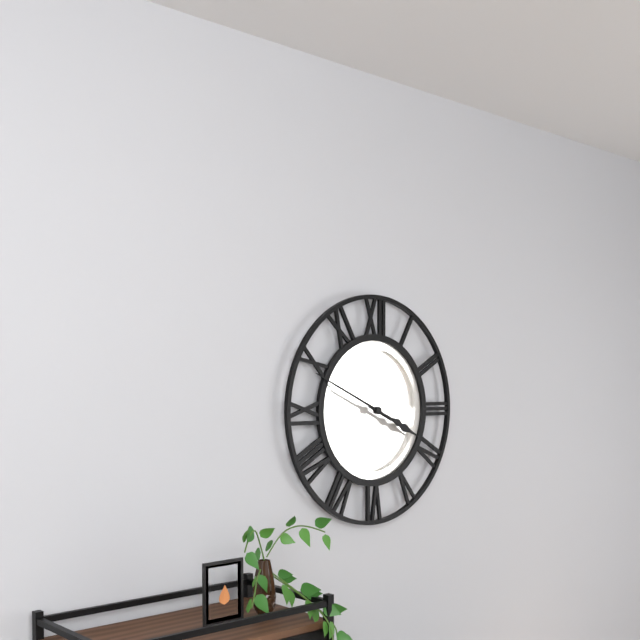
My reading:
3 h 49 min
